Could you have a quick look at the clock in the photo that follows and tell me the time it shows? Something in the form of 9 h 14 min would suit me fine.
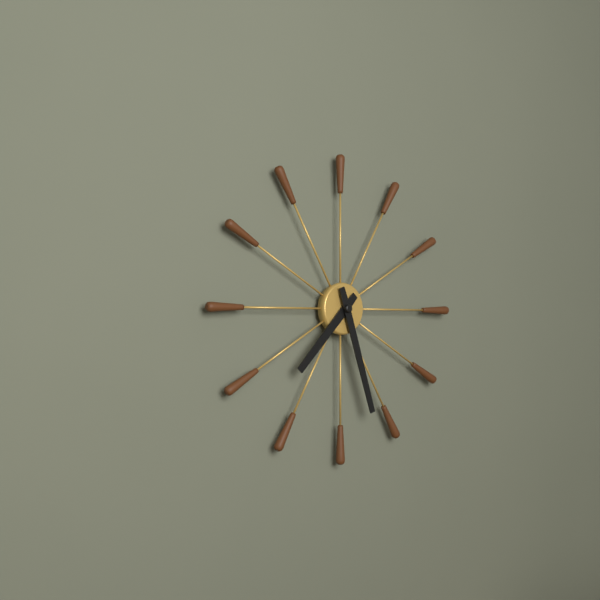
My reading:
7 h 27 min
